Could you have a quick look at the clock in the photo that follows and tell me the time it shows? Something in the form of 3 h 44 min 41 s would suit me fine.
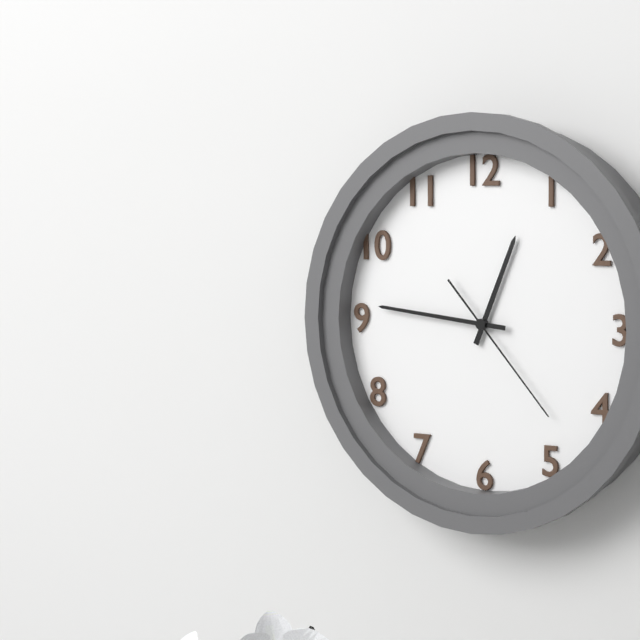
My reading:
12 h 46 min 23 s
